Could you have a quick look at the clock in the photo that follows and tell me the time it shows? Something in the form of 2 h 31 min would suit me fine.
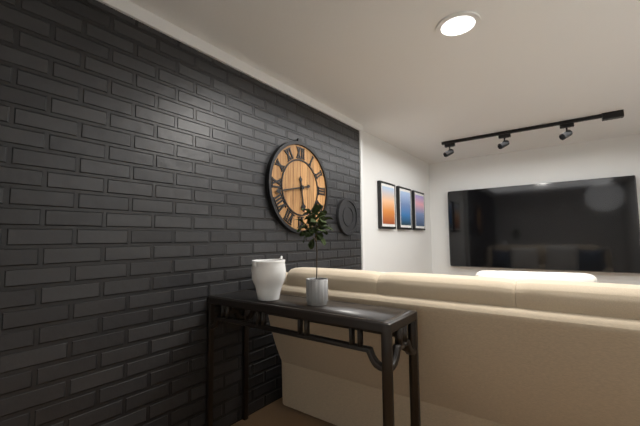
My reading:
5 h 43 min
